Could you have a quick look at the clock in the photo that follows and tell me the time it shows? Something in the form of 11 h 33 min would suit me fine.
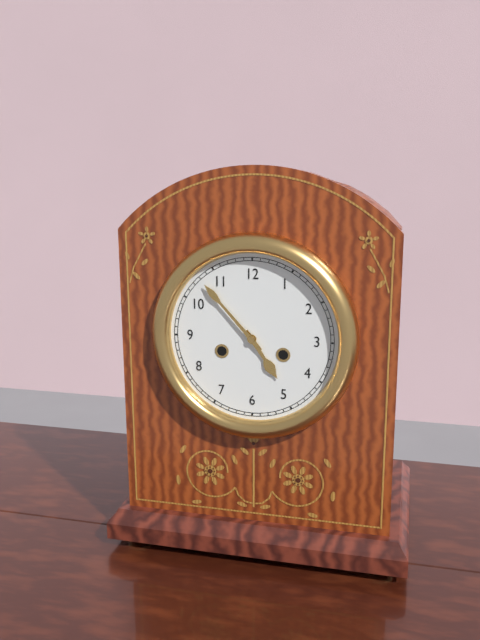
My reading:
4 h 53 min
